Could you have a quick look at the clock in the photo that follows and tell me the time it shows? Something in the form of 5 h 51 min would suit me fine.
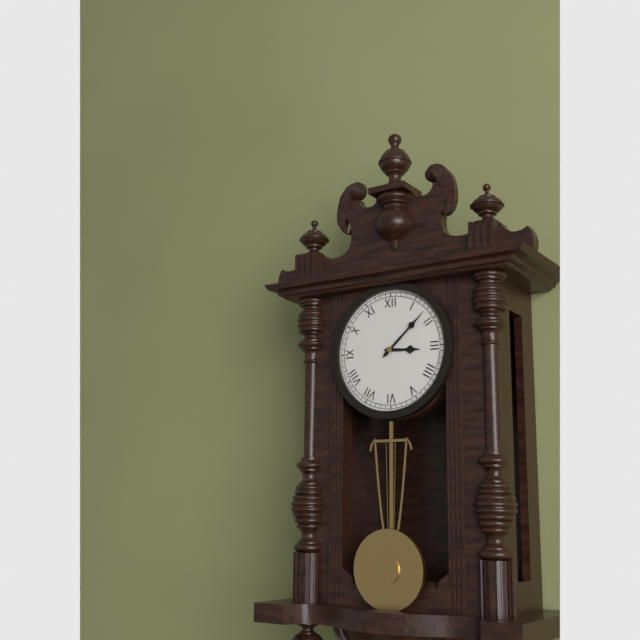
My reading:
3 h 08 min
